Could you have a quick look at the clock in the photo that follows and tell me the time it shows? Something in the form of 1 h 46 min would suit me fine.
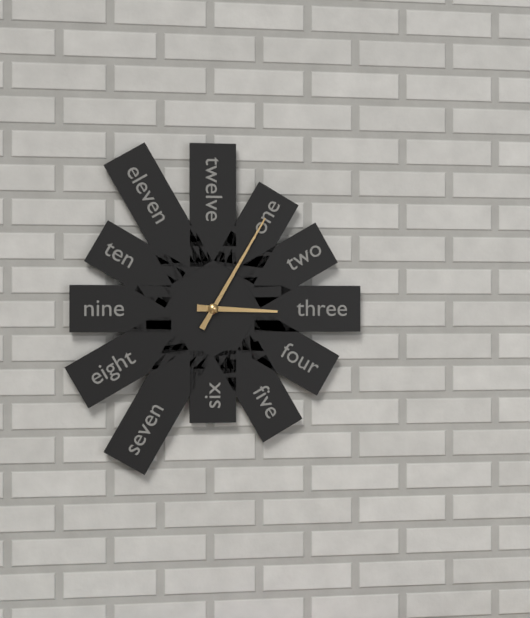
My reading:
3 h 05 min
